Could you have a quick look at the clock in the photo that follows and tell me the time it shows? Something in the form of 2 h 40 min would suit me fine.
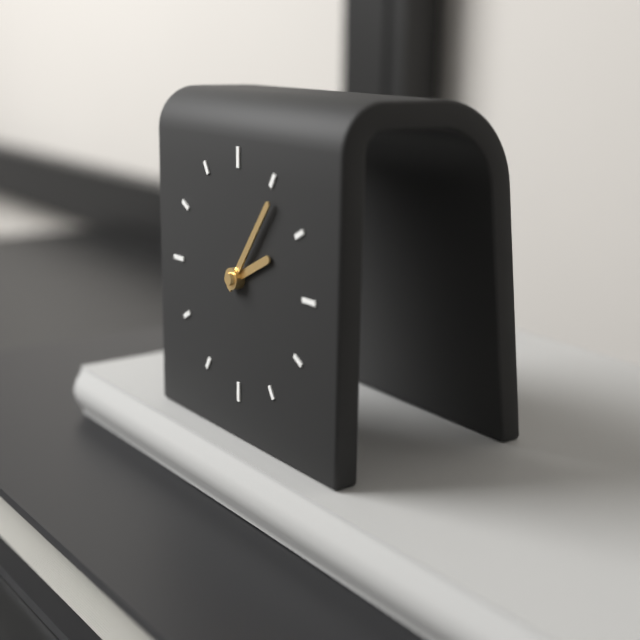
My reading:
2 h 06 min
